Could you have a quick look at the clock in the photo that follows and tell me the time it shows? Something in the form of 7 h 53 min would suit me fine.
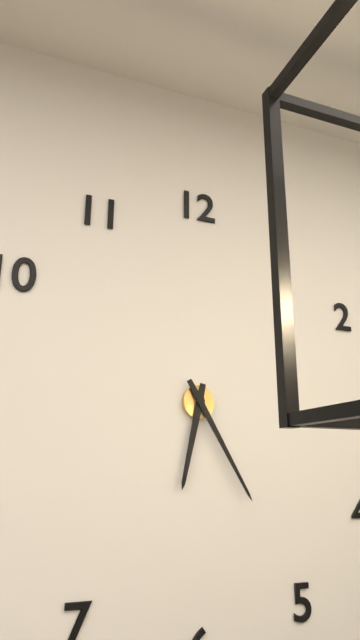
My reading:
6 h 25 min
